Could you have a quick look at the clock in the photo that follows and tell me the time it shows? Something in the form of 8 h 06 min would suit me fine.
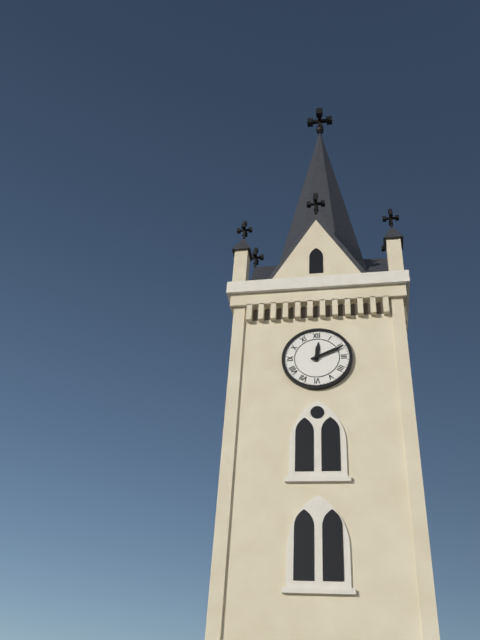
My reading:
12 h 11 min
